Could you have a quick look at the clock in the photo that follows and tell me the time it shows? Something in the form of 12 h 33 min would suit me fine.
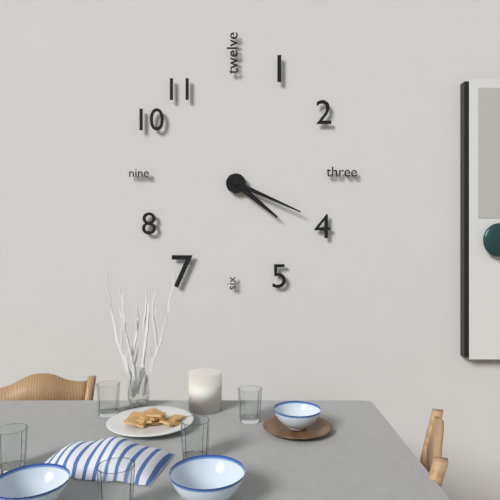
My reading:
4 h 19 min
